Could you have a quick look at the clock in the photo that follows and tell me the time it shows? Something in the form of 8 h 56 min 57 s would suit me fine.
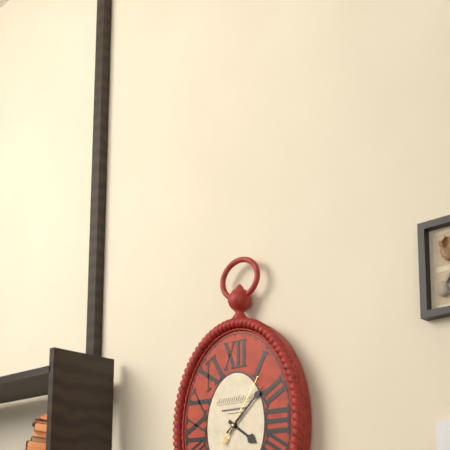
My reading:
4 h 08 min 06 s
